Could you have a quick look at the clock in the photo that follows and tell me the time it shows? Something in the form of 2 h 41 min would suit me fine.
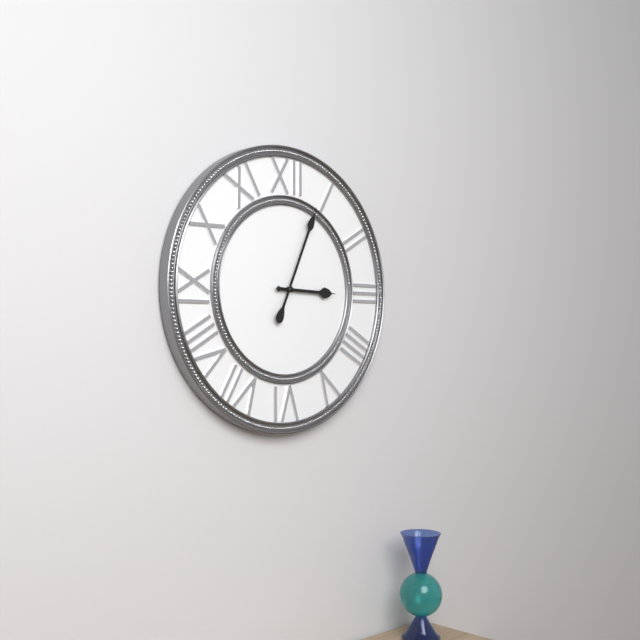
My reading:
3 h 04 min
